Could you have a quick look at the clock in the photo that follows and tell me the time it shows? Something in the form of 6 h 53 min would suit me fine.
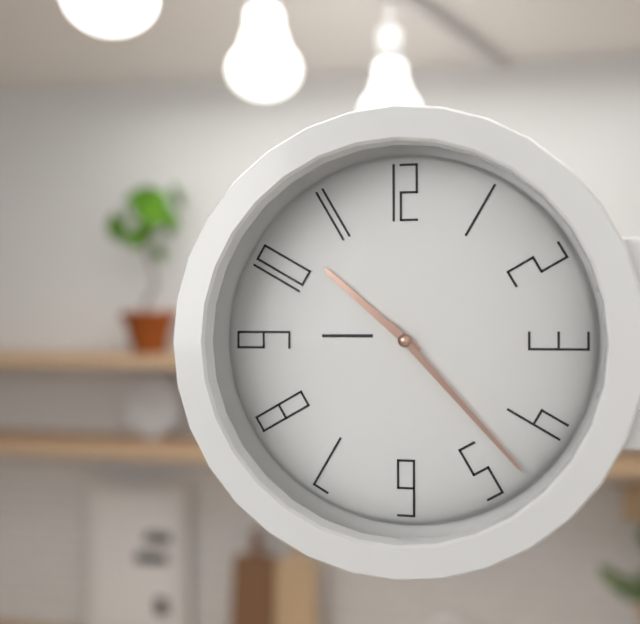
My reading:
10 h 23 min
